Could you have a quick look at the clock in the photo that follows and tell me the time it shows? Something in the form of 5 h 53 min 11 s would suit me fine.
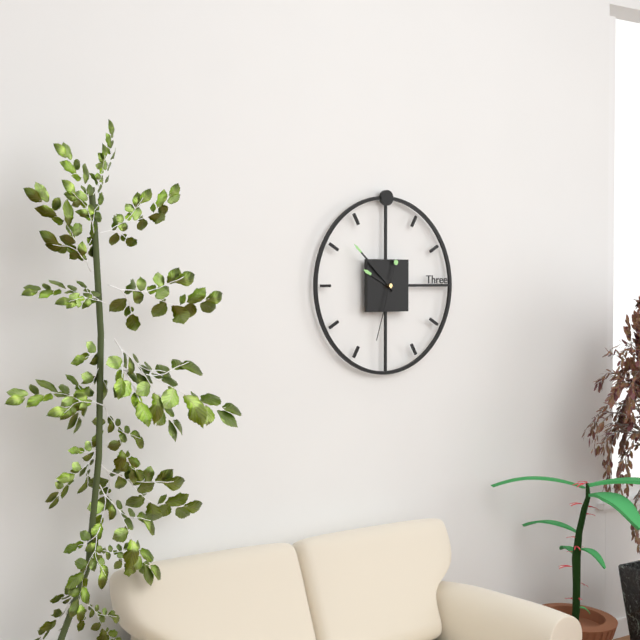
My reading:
9 h 52 min 33 s
